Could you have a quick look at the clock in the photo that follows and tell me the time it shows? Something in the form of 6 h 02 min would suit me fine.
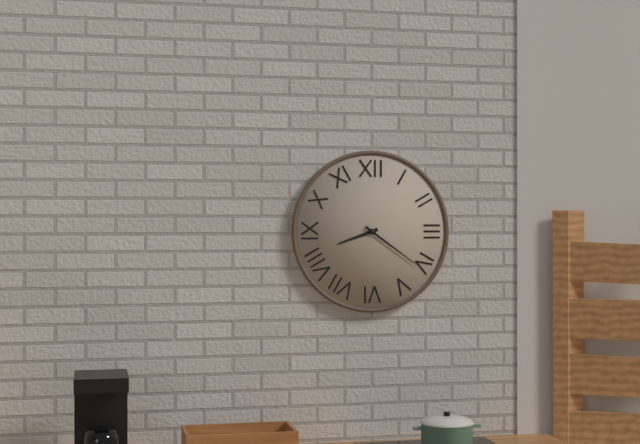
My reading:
8 h 21 min
